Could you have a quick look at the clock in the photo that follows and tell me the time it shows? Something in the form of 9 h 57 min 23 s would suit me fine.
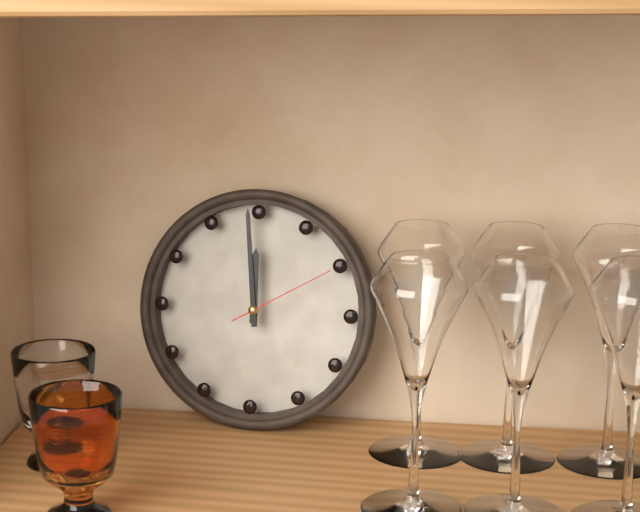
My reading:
11 h 59 min 10 s
